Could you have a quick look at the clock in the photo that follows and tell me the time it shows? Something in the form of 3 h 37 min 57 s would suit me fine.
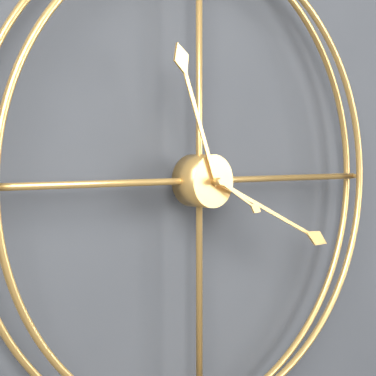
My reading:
11 h 19 min 20 s
